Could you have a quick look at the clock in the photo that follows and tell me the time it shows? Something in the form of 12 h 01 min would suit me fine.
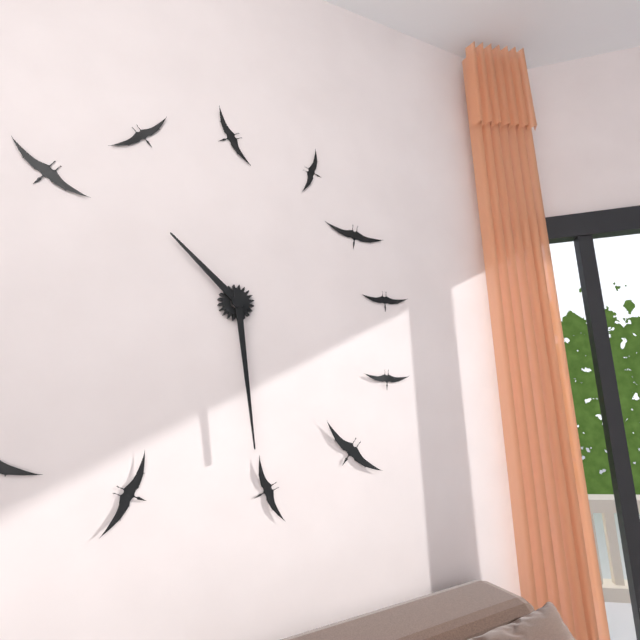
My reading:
10 h 29 min
